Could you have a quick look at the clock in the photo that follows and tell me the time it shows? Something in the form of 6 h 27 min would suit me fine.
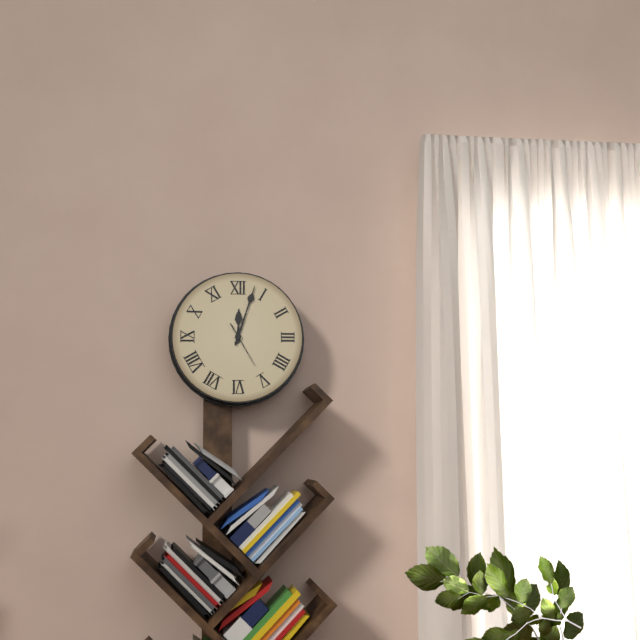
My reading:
12 h 03 min
